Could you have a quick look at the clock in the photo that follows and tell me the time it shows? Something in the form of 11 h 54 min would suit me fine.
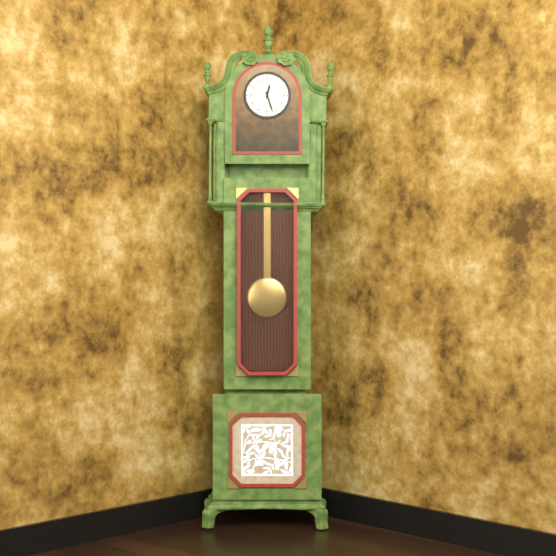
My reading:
12 h 27 min
